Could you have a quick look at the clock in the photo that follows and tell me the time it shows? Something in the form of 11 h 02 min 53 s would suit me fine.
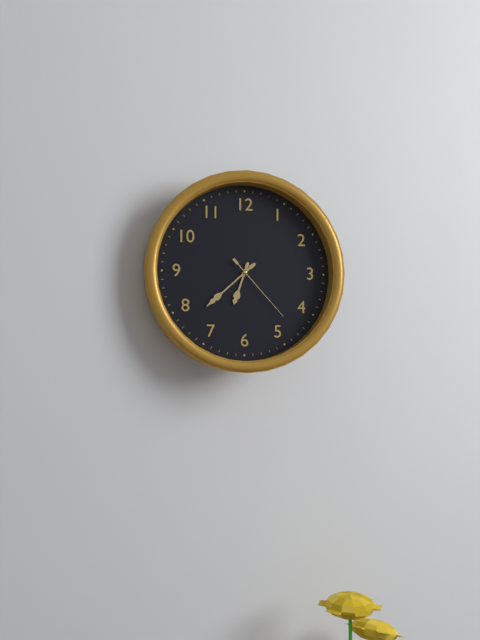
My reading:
6 h 38 min 23 s
